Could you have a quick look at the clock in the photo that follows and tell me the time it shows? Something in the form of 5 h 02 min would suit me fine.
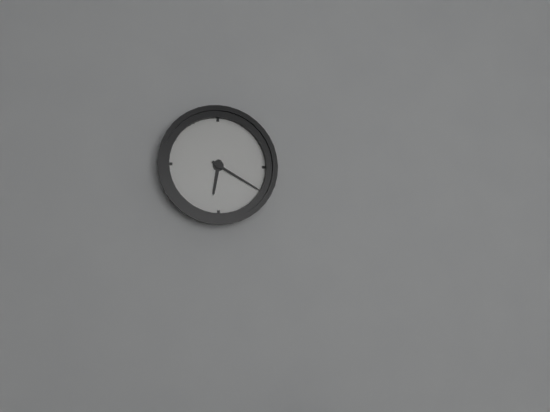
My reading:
6 h 20 min
